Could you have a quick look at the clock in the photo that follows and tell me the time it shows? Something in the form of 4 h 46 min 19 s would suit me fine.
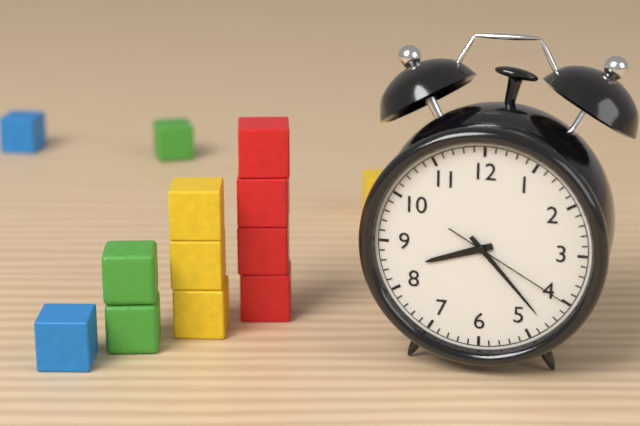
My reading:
8 h 23 min 20 s
